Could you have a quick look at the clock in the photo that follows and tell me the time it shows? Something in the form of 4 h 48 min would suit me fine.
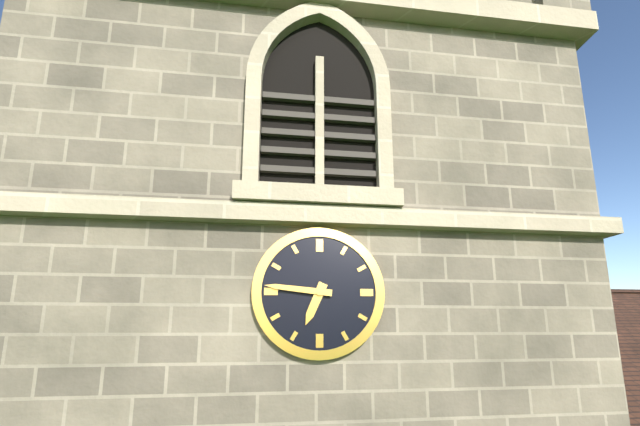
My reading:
6 h 46 min
